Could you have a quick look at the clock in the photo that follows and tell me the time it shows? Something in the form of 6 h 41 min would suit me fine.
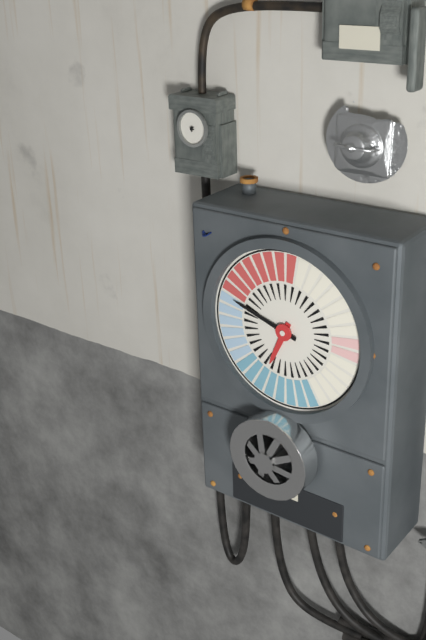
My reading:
6 h 48 min
